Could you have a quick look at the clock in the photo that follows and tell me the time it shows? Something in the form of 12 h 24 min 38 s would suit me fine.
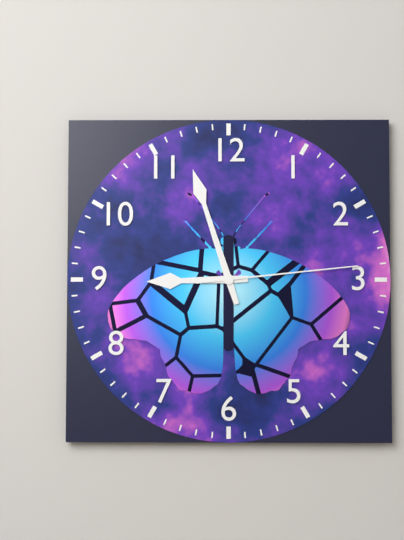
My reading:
8 h 57 min 14 s
